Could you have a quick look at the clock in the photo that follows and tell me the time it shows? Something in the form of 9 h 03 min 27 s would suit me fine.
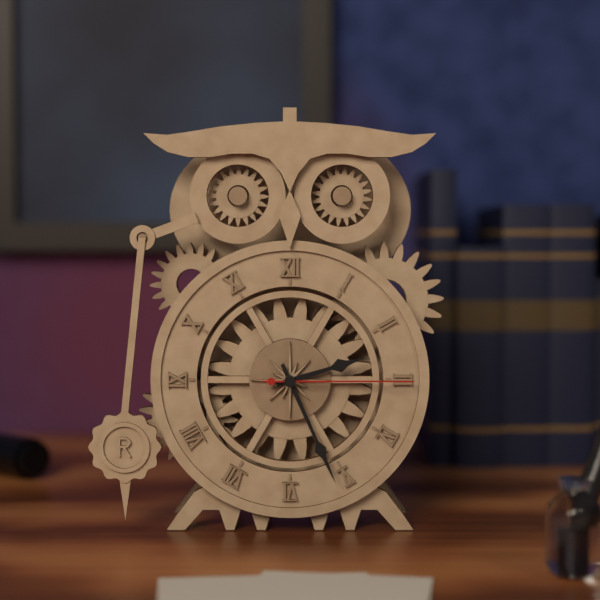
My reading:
2 h 26 min 15 s
